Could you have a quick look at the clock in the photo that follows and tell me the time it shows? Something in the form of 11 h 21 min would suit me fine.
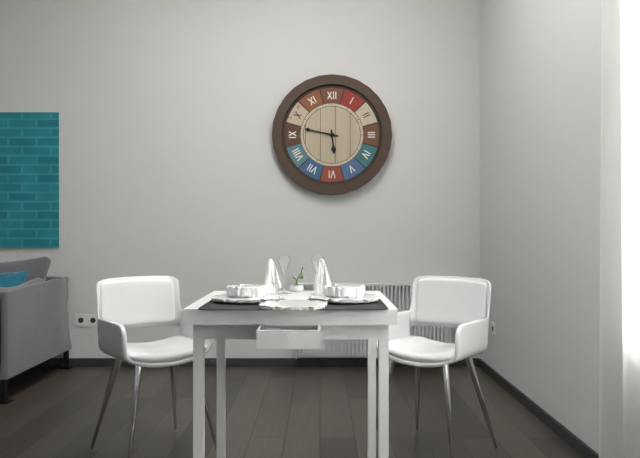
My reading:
5 h 47 min
